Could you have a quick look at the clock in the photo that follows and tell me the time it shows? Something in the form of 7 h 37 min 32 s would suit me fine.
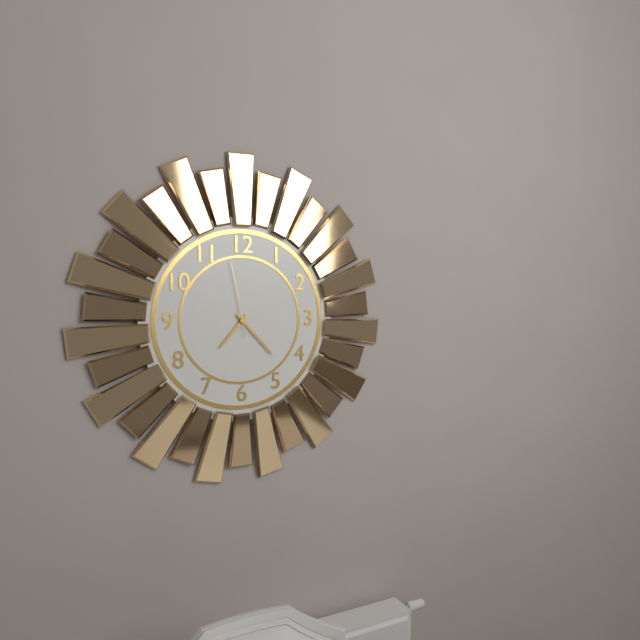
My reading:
7 h 23 min 58 s
